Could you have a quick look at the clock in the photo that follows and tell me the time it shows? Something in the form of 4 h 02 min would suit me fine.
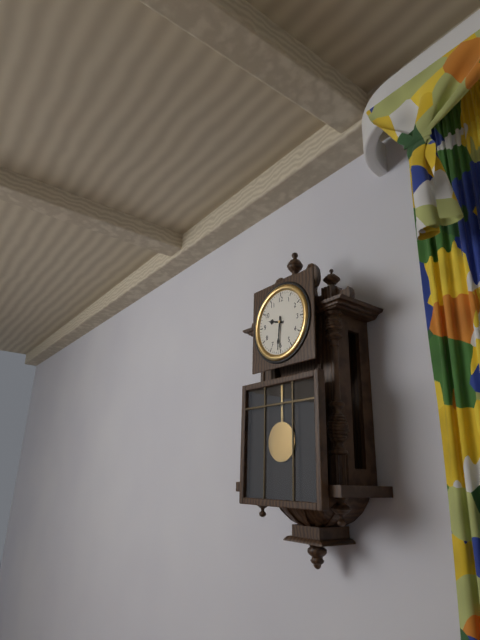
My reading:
9 h 31 min
